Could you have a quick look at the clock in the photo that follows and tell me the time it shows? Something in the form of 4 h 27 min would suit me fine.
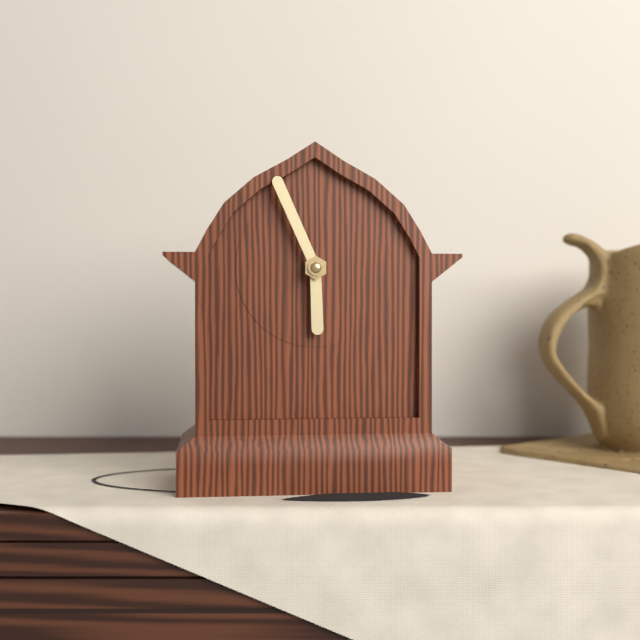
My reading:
5 h 56 min
